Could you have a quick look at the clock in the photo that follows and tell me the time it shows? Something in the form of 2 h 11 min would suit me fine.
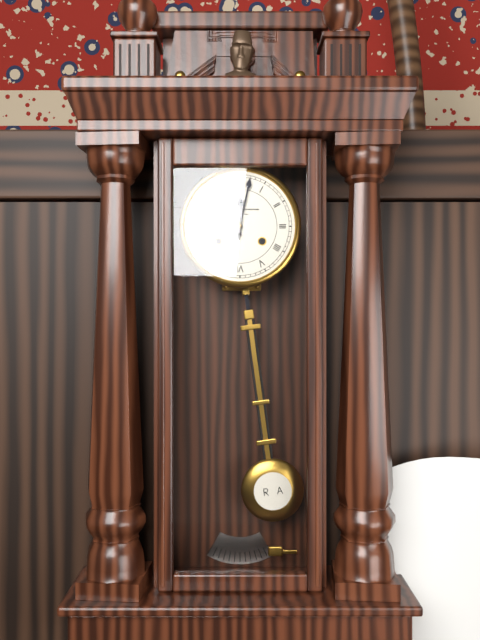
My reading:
12 h 02 min
